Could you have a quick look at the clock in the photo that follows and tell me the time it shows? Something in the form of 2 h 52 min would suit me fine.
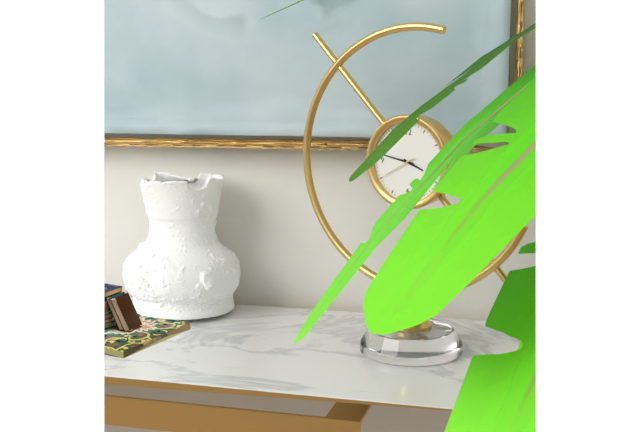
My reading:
3 h 47 min
